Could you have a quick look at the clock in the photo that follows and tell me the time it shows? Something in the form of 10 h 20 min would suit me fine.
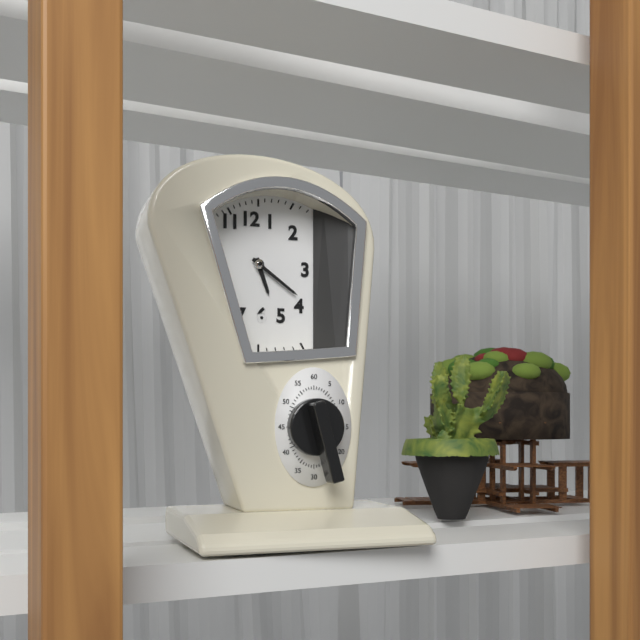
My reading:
5 h 21 min
